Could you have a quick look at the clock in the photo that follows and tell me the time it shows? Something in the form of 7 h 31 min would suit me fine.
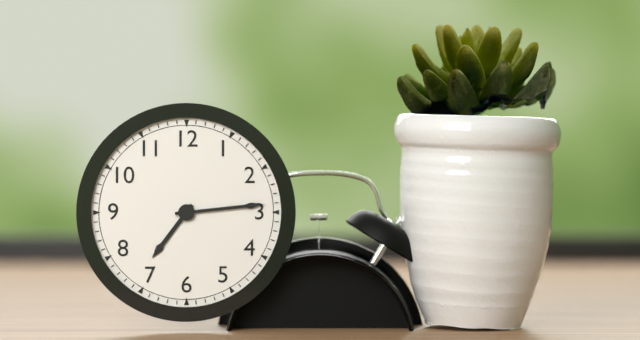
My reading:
7 h 14 min
